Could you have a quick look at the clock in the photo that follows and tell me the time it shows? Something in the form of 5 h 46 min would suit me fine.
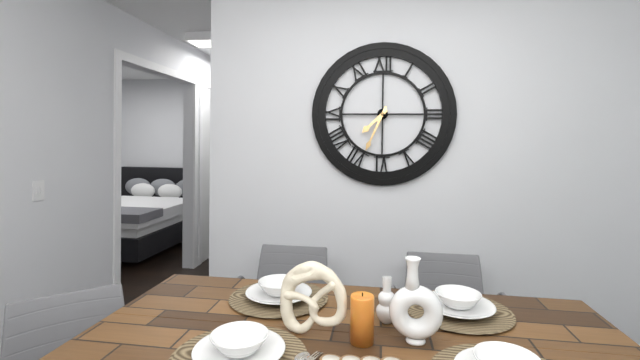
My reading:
7 h 34 min
